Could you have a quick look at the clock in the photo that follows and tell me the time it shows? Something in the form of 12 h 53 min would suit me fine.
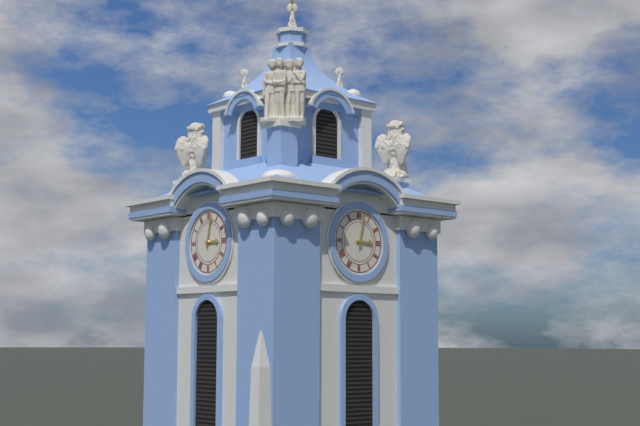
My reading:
3 h 02 min
